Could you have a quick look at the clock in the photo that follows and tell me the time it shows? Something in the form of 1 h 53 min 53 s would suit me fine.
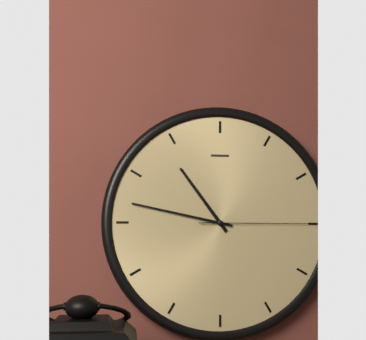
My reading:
10 h 47 min 15 s
